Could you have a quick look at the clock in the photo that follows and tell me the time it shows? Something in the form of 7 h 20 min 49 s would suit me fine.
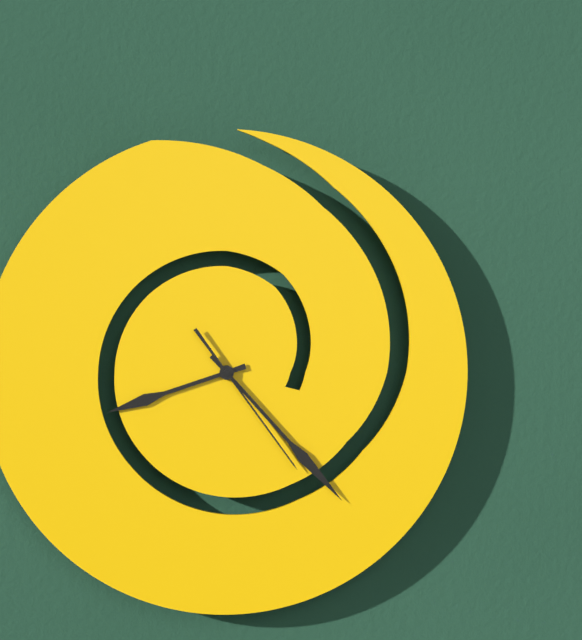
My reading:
8 h 23 min 24 s
